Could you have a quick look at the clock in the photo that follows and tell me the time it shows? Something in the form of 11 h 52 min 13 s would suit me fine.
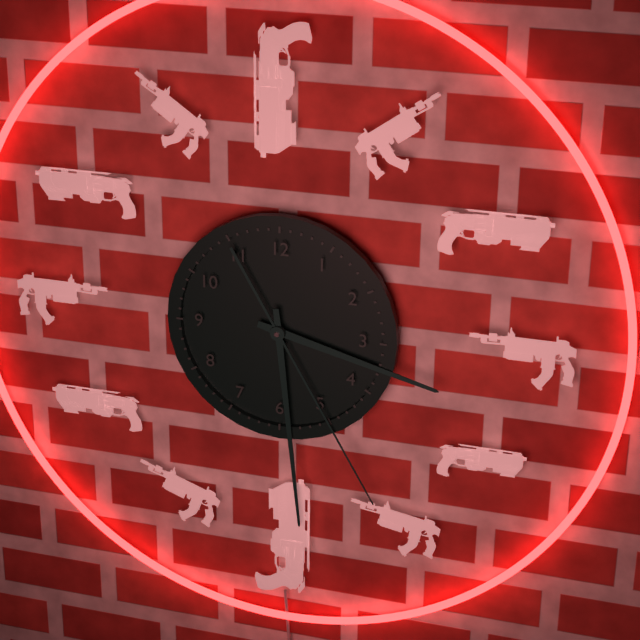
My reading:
3 h 29 min 25 s
